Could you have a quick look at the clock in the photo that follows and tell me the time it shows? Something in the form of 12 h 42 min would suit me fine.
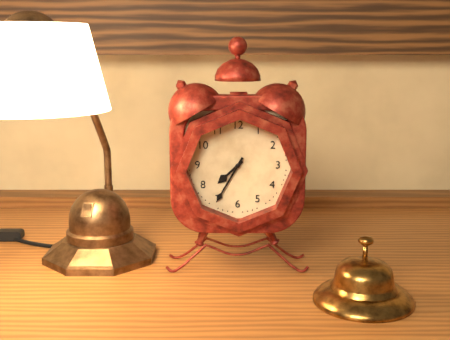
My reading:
7 h 35 min
